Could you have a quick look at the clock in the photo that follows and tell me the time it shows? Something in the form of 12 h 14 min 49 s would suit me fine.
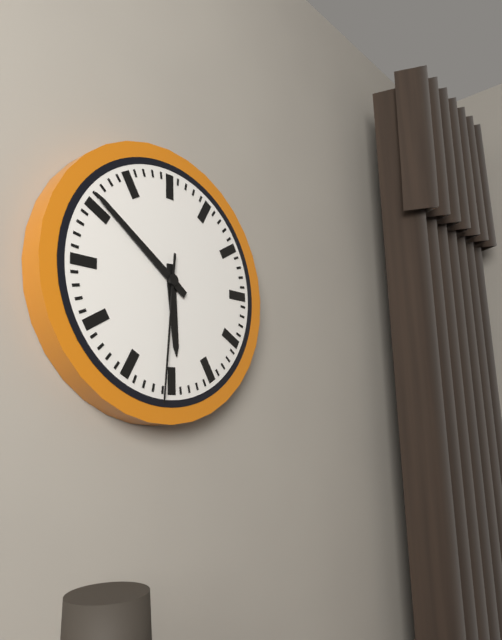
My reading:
5 h 51 min 31 s
